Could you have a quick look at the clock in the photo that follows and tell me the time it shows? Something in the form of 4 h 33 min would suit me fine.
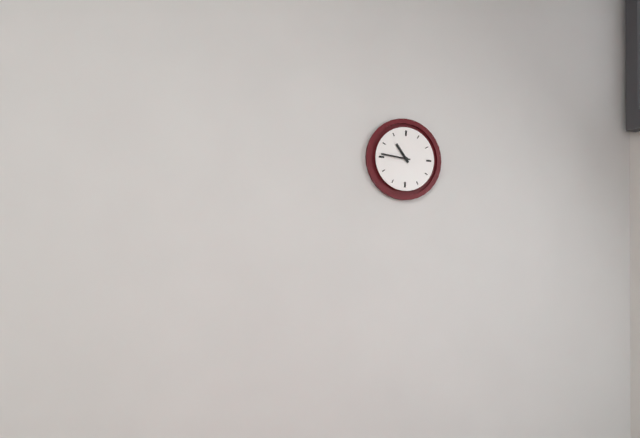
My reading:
10 h 46 min
